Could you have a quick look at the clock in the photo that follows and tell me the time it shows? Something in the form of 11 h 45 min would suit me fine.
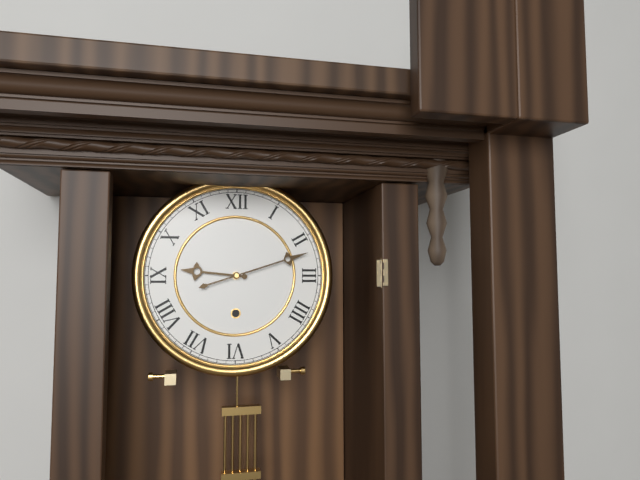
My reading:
9 h 12 min
